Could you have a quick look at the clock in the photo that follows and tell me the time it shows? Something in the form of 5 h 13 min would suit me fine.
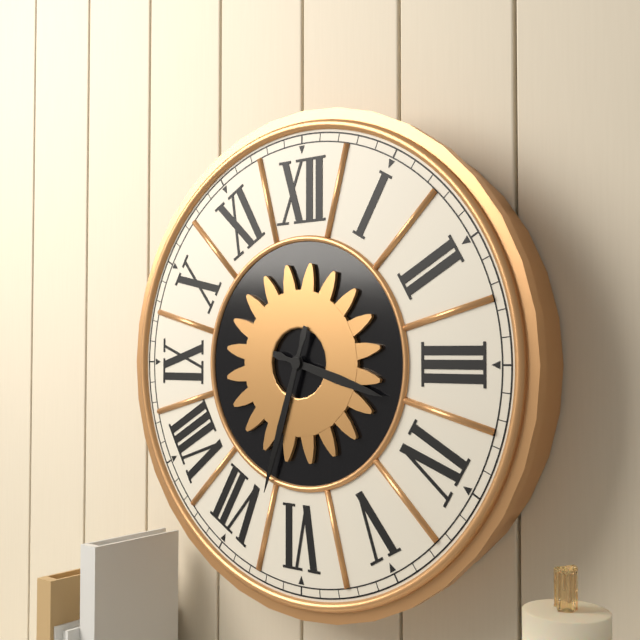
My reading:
3 h 33 min
